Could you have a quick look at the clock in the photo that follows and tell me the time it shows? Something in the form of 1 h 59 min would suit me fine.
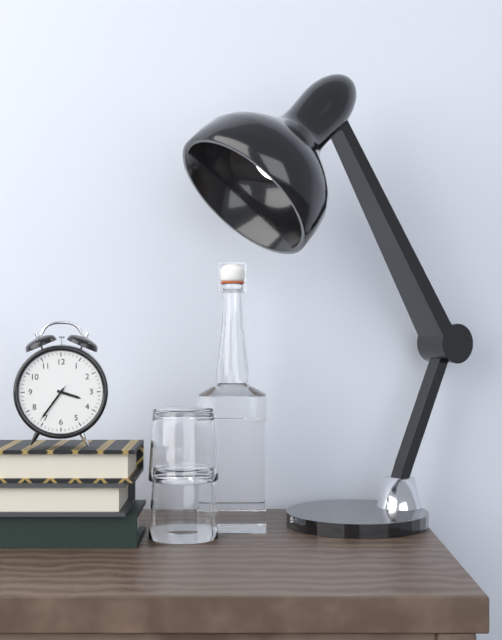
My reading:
3 h 36 min
